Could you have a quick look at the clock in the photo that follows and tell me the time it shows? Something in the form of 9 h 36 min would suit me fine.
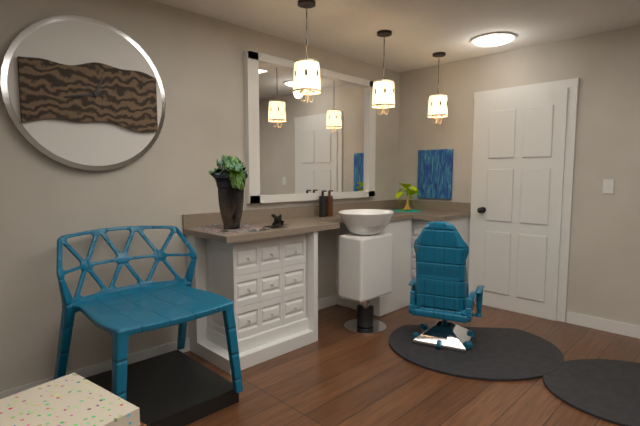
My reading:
12 h 43 min
